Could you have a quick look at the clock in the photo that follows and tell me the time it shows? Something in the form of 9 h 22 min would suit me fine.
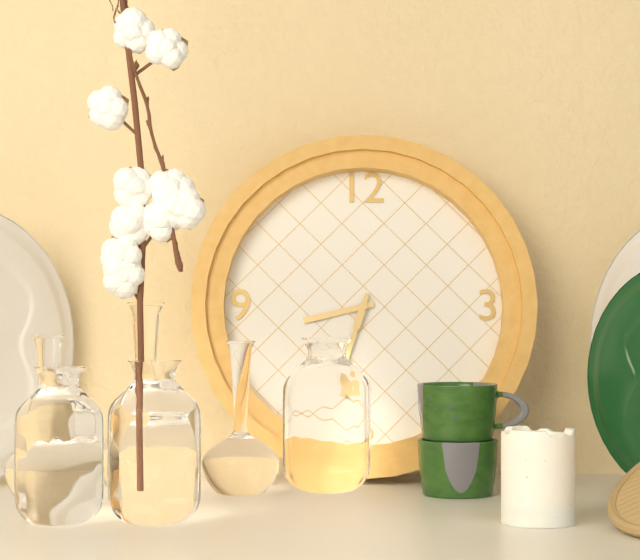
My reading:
8 h 33 min
